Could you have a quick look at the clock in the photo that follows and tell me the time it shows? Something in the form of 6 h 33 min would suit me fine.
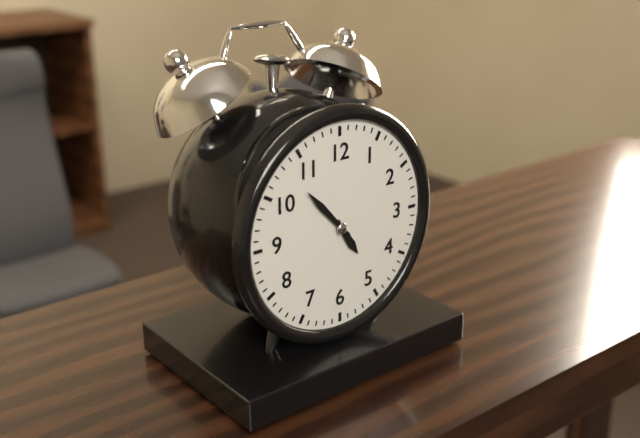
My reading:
4 h 53 min
